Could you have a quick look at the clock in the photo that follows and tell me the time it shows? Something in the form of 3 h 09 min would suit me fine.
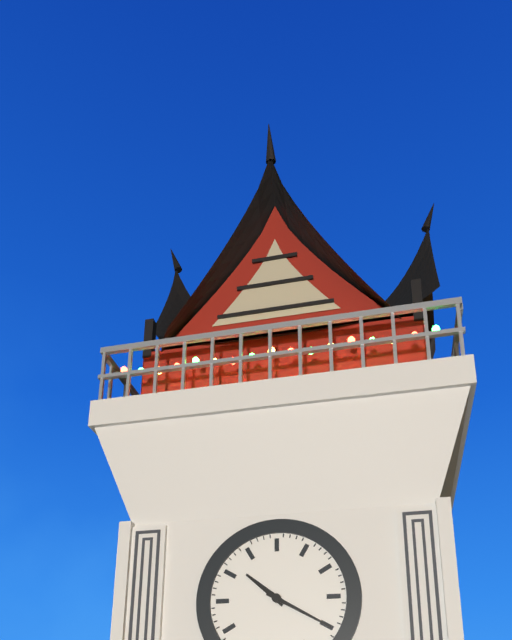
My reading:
10 h 20 min
